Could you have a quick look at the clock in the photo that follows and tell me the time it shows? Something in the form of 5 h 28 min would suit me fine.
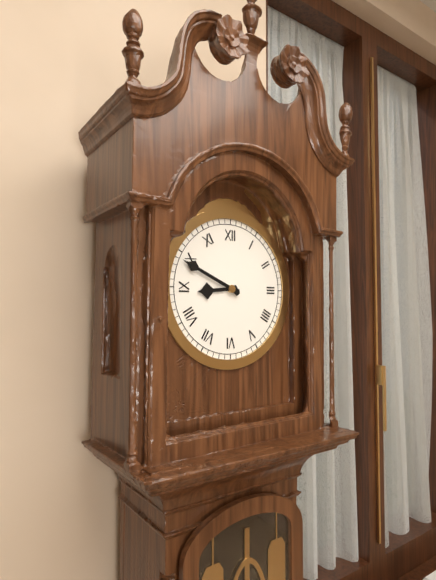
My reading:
8 h 49 min
